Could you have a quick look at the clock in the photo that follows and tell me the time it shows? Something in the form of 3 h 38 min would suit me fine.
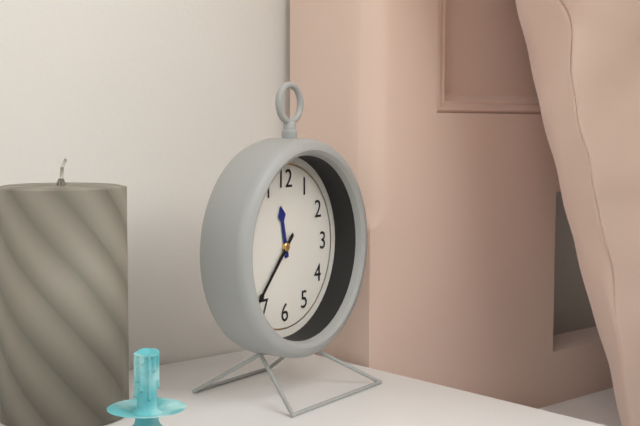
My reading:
11 h 37 min
